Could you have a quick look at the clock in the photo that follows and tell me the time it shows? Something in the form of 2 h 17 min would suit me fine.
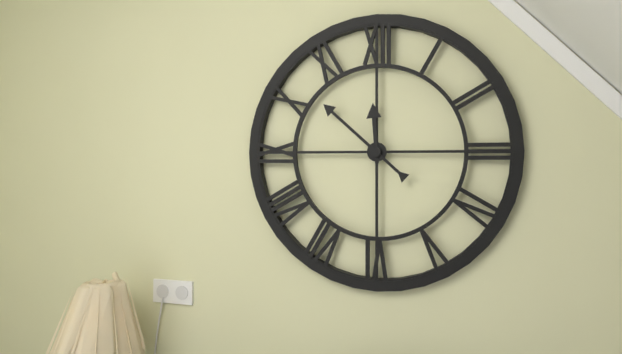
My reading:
11 h 52 min
